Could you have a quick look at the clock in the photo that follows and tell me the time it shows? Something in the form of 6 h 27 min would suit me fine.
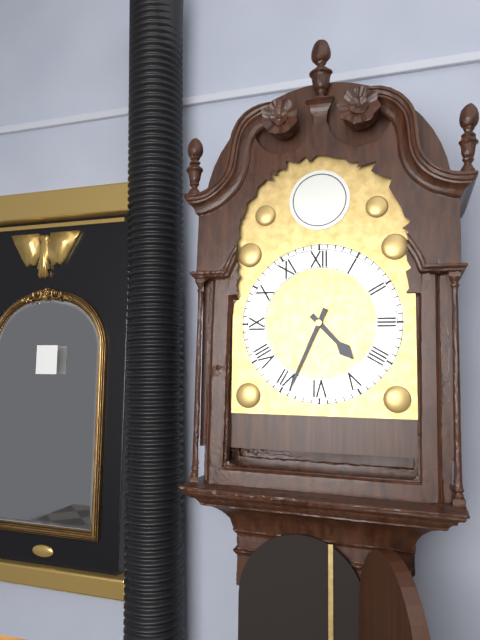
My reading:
4 h 34 min
